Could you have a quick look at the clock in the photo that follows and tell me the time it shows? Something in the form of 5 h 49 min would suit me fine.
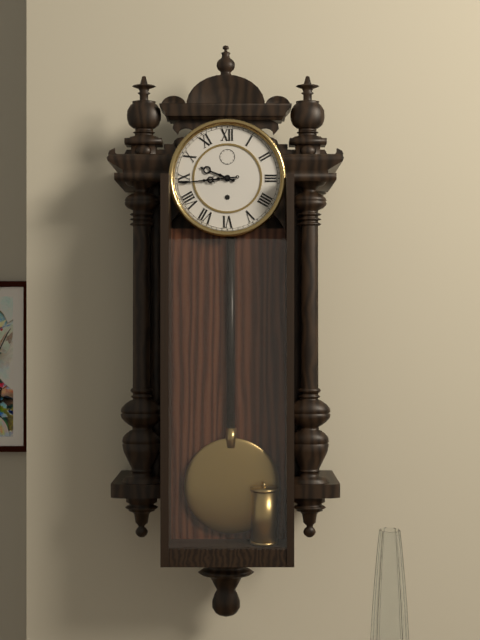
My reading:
9 h 44 min
